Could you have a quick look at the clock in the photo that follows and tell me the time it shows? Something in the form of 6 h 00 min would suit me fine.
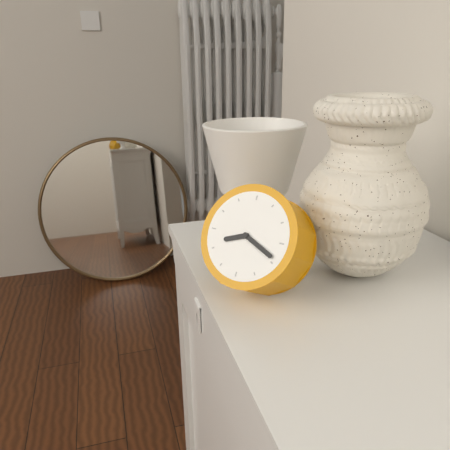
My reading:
8 h 19 min
